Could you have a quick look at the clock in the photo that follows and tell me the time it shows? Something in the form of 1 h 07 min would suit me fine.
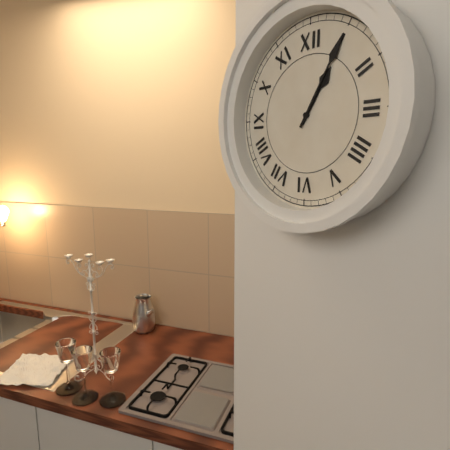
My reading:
1 h 05 min
